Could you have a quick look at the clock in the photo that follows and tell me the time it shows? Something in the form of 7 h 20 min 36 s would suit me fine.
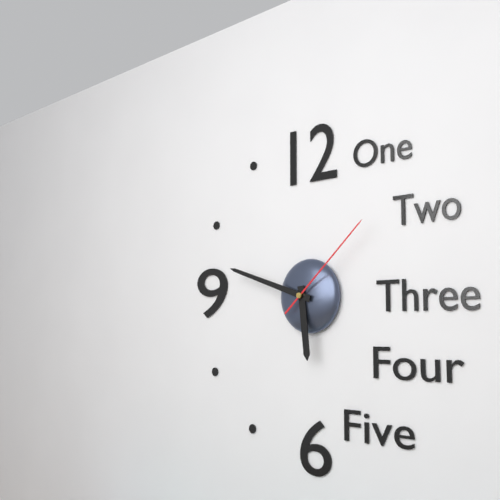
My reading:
5 h 48 min 08 s
